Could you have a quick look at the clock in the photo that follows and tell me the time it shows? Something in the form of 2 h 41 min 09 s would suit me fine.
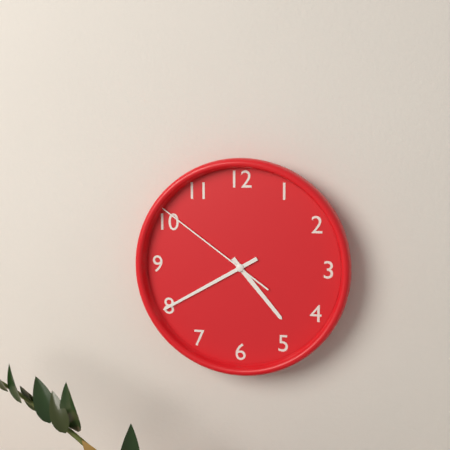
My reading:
4 h 40 min 51 s
